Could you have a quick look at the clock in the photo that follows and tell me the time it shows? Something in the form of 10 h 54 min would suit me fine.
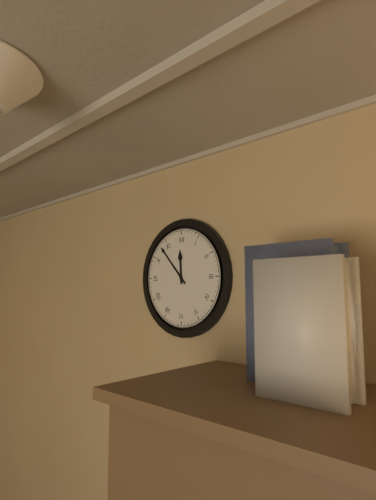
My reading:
11 h 53 min
